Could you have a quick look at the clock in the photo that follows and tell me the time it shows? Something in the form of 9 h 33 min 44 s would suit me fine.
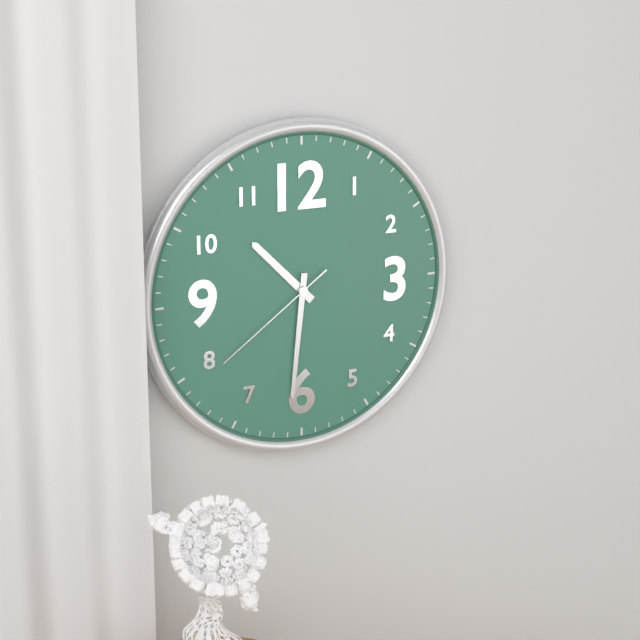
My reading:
10 h 31 min 39 s
